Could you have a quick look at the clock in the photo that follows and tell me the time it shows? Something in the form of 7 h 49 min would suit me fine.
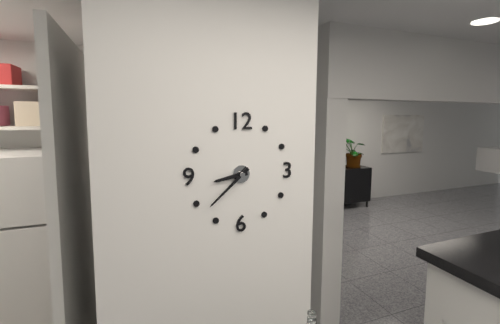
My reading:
8 h 38 min
